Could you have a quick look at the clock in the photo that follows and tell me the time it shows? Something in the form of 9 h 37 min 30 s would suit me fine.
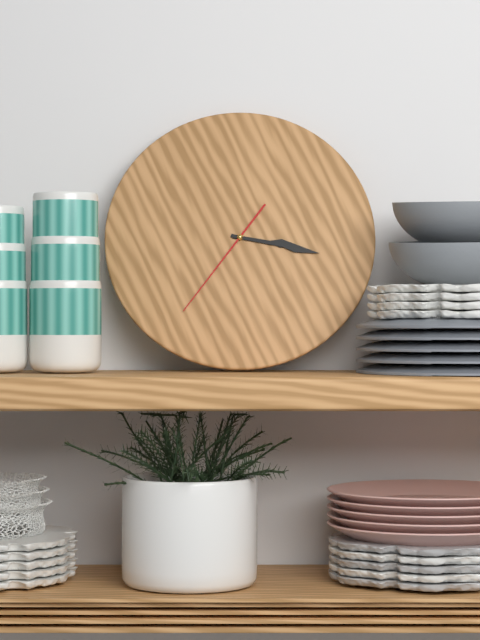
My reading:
3 h 17 min 36 s
